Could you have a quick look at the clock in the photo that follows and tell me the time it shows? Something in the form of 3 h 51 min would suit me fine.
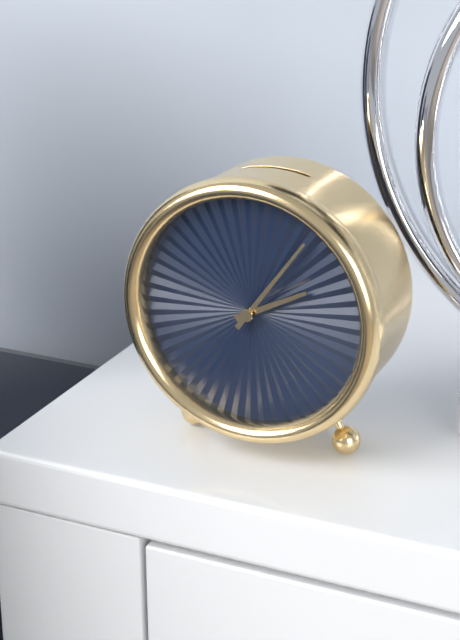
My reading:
2 h 06 min
